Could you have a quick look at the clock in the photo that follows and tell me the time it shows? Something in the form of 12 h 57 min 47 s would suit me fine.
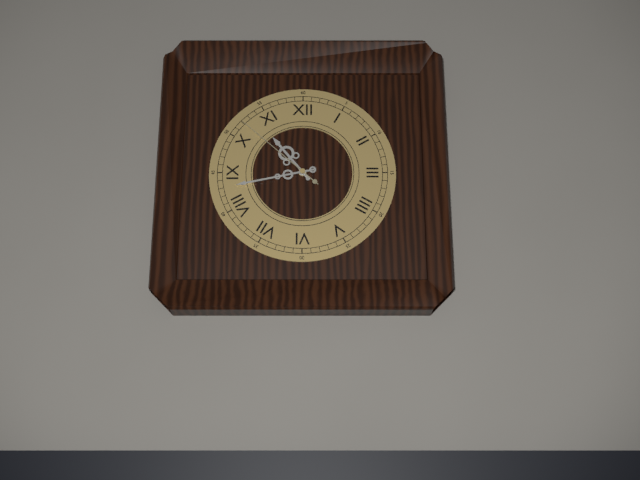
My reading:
10 h 43 min 52 s
